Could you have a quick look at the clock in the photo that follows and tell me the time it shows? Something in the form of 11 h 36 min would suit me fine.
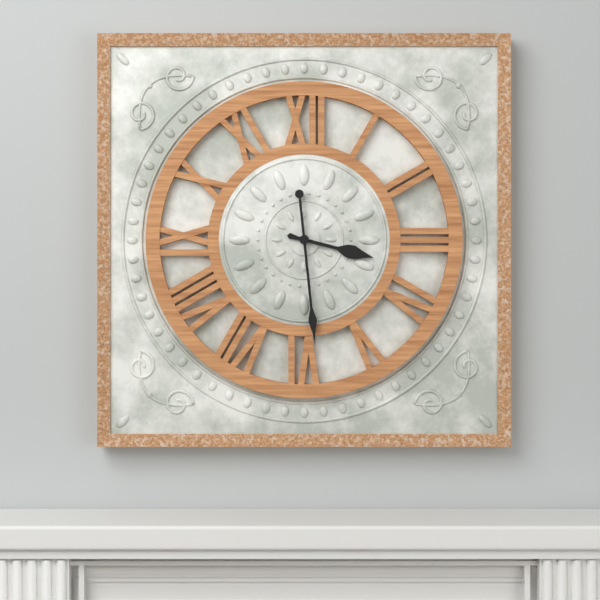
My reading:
3 h 29 min
